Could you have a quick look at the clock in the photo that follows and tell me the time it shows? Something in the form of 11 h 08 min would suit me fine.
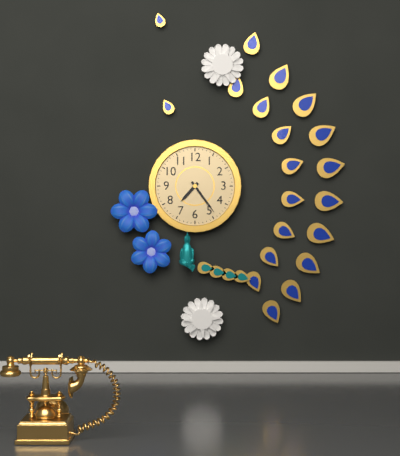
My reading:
7 h 24 min
